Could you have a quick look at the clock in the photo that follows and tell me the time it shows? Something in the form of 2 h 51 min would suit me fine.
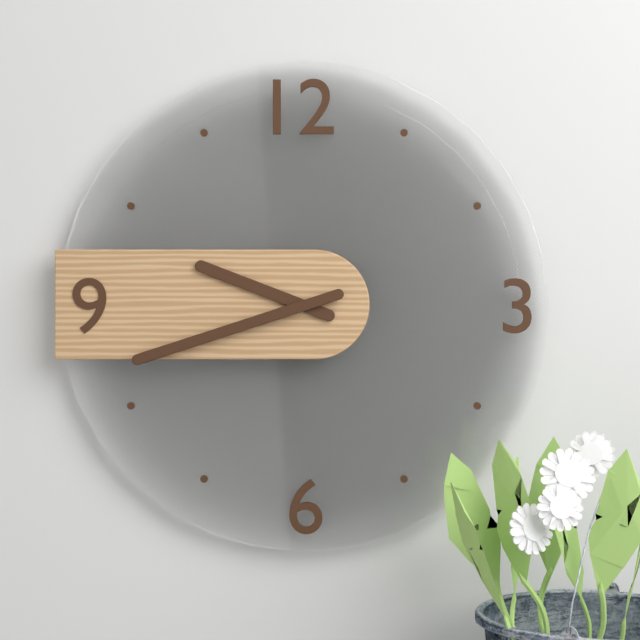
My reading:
9 h 42 min
